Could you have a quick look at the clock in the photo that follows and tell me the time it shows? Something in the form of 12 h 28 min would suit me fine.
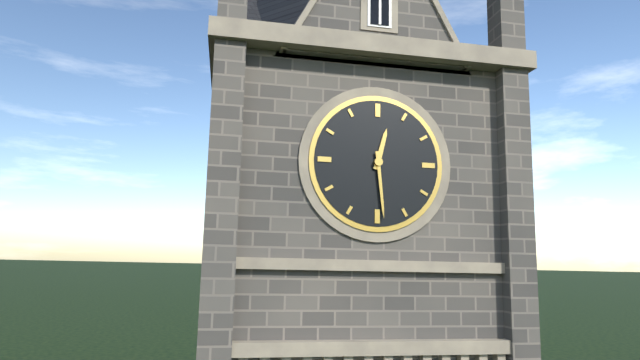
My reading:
12 h 29 min
